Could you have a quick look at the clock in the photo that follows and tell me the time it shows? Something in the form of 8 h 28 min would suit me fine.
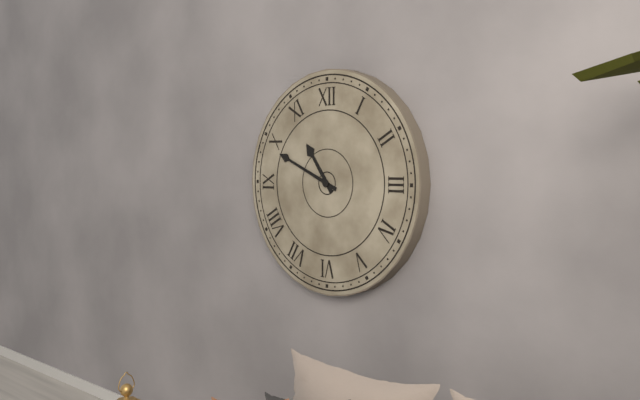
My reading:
10 h 49 min
